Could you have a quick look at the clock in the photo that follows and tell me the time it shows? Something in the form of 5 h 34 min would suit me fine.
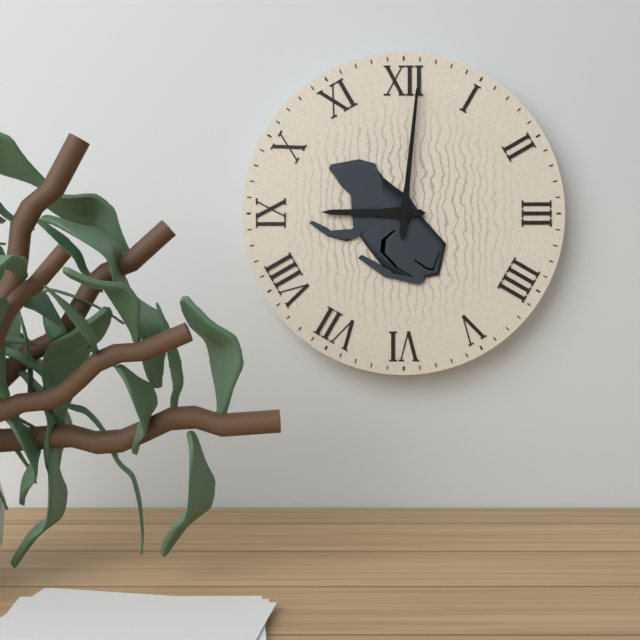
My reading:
9 h 01 min
